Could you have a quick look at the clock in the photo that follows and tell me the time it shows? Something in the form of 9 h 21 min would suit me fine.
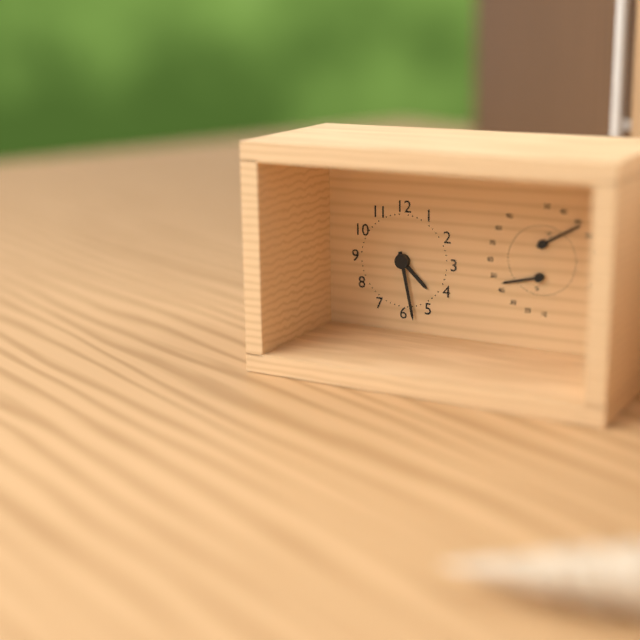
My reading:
4 h 28 min
